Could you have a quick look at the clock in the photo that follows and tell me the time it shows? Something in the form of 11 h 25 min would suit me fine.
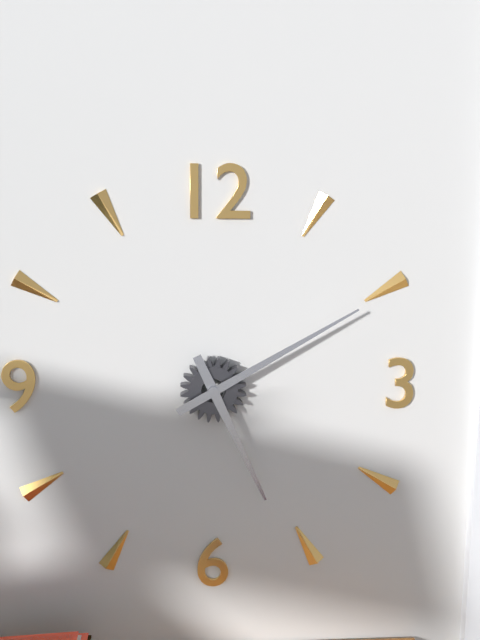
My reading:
5 h 10 min
